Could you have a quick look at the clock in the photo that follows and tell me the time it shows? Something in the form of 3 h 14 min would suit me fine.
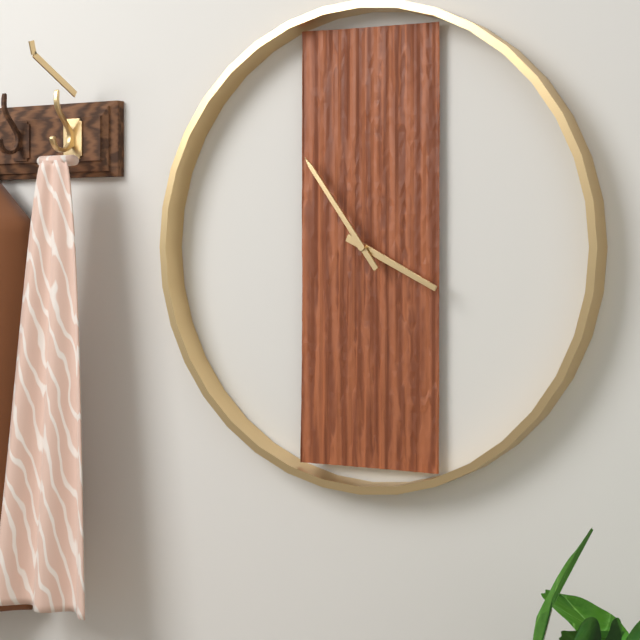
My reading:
3 h 54 min
